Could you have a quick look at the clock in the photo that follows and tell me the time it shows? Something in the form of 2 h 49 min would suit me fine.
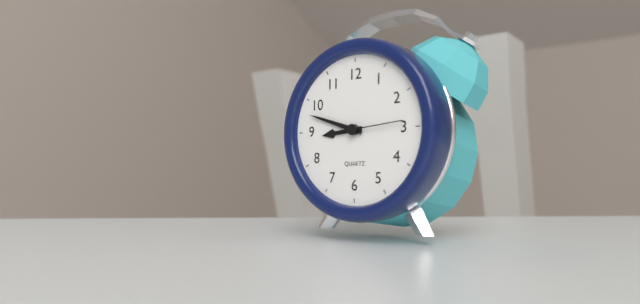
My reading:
8 h 48 min
